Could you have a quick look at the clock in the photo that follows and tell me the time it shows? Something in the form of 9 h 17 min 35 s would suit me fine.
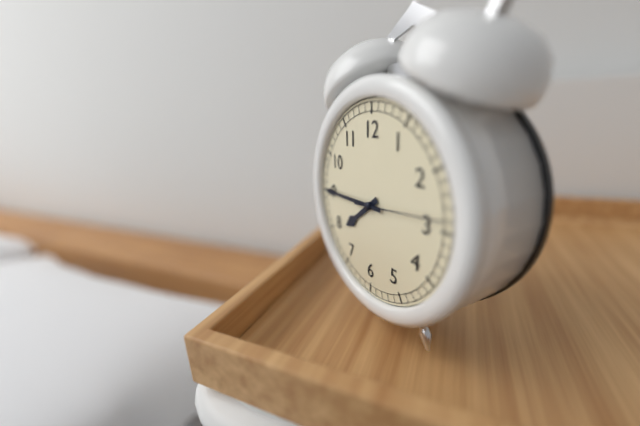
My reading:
7 h 45 min 14 s
